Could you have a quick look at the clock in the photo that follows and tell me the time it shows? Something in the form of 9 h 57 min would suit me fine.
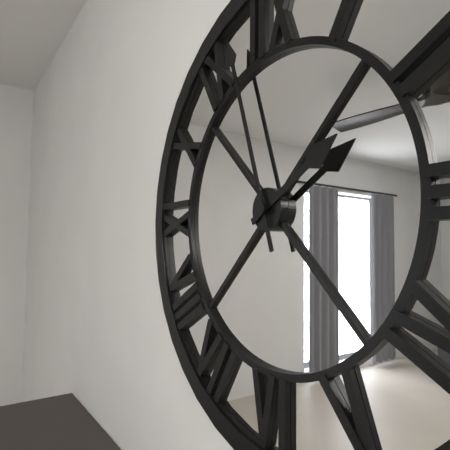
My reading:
1 h 57 min
